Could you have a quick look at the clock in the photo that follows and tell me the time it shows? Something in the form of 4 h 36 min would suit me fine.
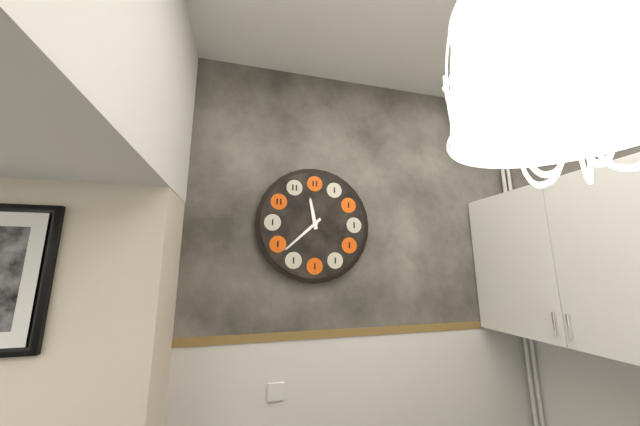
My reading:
11 h 38 min
